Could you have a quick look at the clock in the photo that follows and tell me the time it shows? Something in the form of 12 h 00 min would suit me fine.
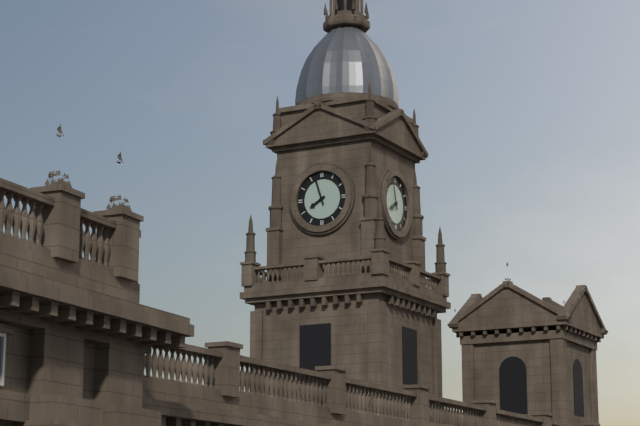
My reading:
7 h 57 min
